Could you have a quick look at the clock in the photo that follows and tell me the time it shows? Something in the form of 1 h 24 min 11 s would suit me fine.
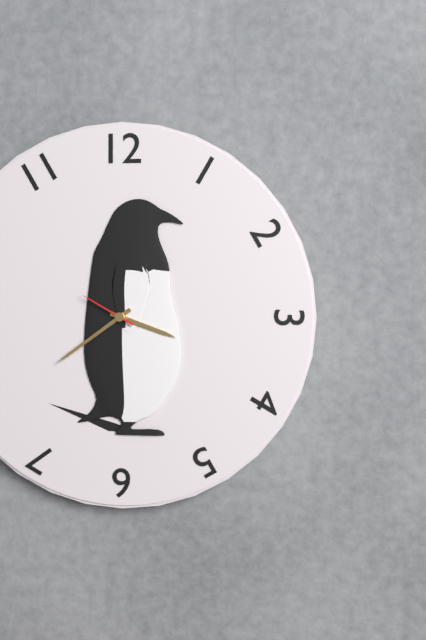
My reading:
3 h 39 min 50 s
